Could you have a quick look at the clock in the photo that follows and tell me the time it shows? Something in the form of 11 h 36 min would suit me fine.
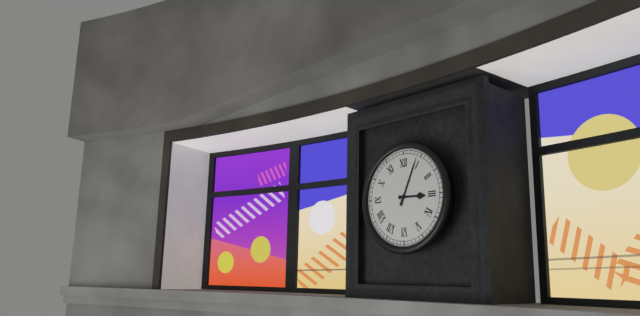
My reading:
3 h 04 min
